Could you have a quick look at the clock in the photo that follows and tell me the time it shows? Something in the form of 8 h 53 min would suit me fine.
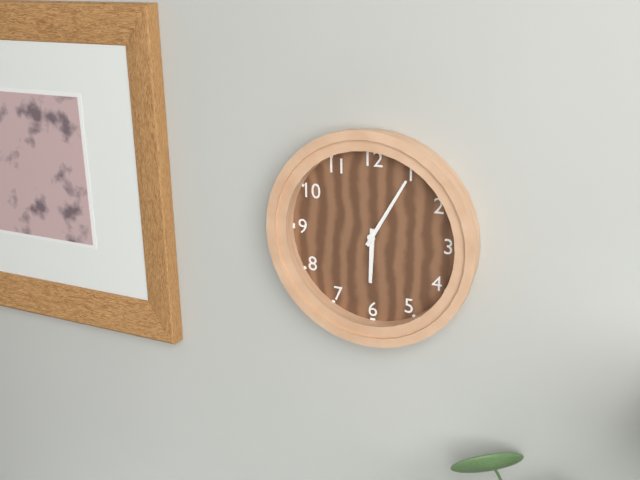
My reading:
6 h 05 min
